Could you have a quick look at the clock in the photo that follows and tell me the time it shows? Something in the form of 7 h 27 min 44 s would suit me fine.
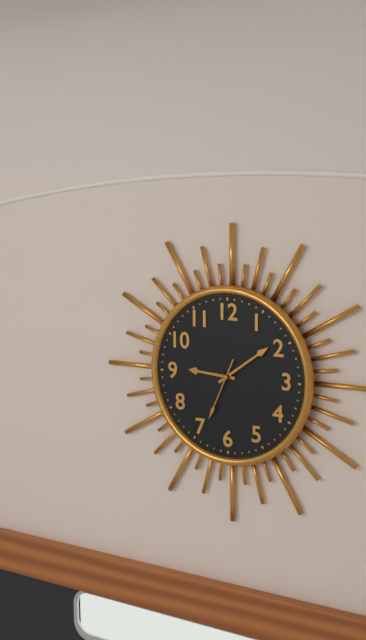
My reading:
9 h 09 min 34 s
